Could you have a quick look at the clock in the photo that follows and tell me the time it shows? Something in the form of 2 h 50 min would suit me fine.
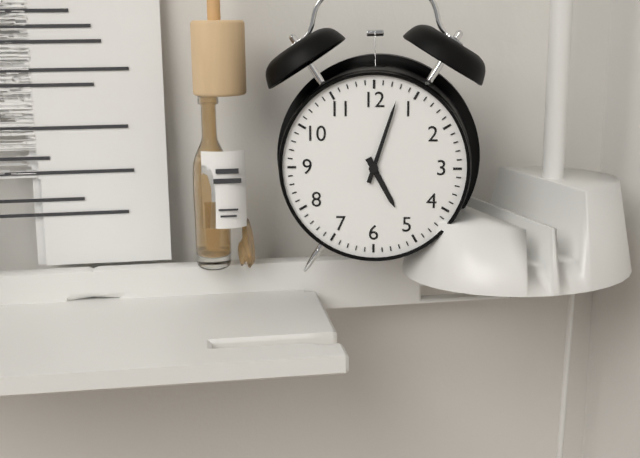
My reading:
5 h 03 min
